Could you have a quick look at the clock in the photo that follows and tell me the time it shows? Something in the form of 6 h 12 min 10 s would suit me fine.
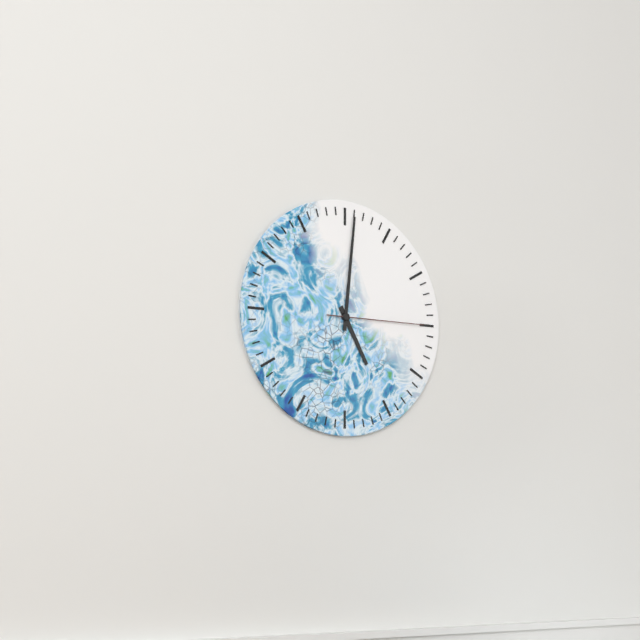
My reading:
5 h 01 min 15 s
